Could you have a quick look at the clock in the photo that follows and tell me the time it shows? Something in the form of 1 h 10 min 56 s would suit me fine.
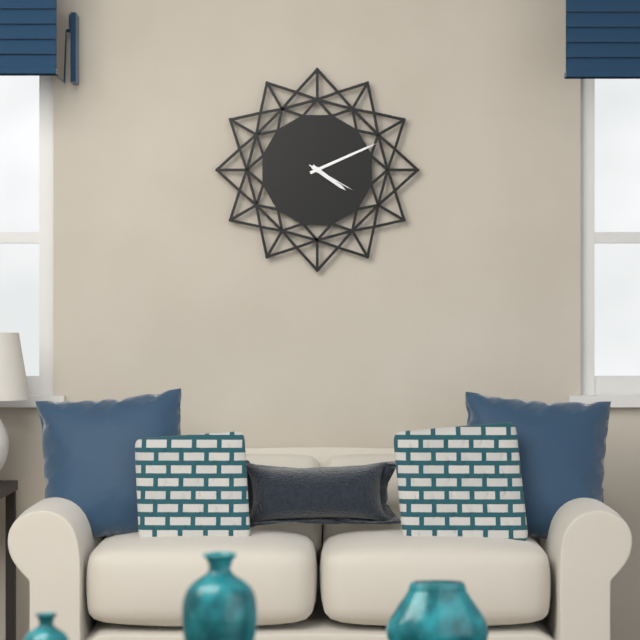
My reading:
4 h 11 min 20 s
